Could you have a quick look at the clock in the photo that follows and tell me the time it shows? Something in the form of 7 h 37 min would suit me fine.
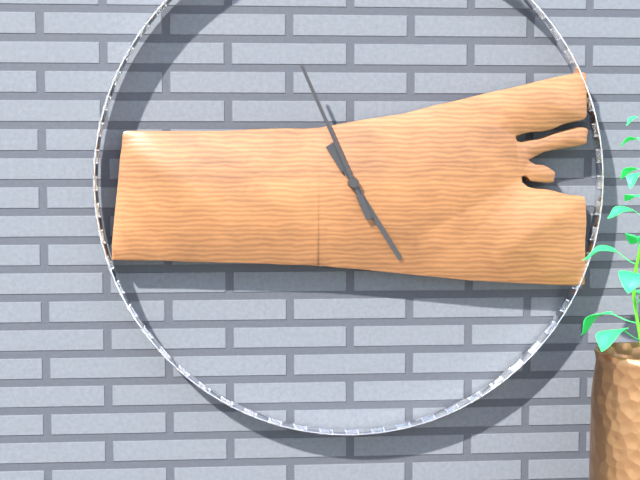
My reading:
4 h 56 min
